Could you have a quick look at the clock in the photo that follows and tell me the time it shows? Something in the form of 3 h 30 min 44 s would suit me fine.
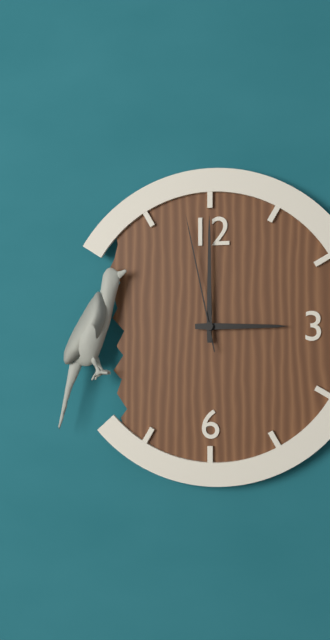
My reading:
3 h 00 min 58 s
